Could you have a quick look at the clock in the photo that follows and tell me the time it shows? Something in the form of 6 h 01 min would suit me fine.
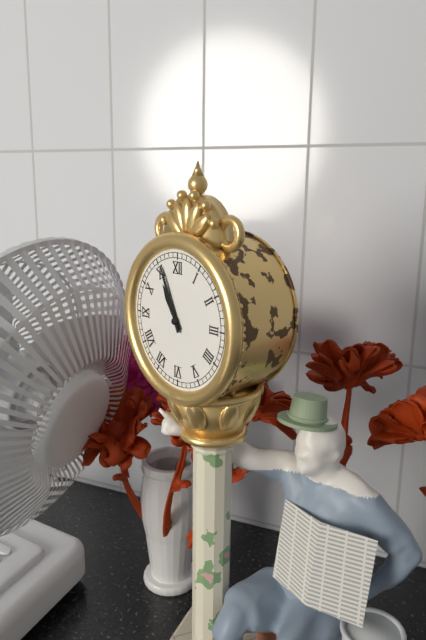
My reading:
10 h 56 min
